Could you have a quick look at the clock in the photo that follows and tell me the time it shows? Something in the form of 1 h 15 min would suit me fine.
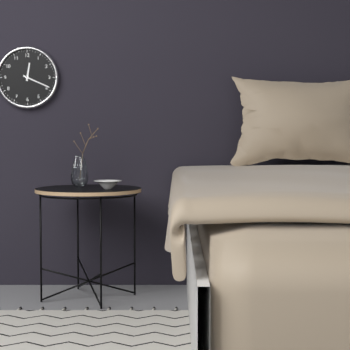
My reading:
12 h 19 min
